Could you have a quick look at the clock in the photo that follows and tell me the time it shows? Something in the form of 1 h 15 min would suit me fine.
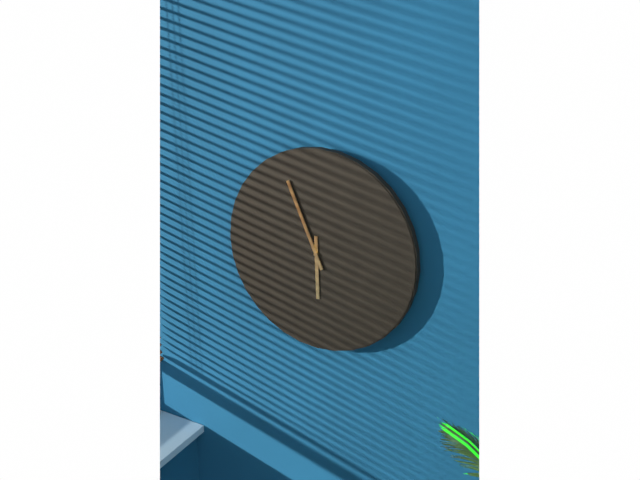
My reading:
5 h 56 min
